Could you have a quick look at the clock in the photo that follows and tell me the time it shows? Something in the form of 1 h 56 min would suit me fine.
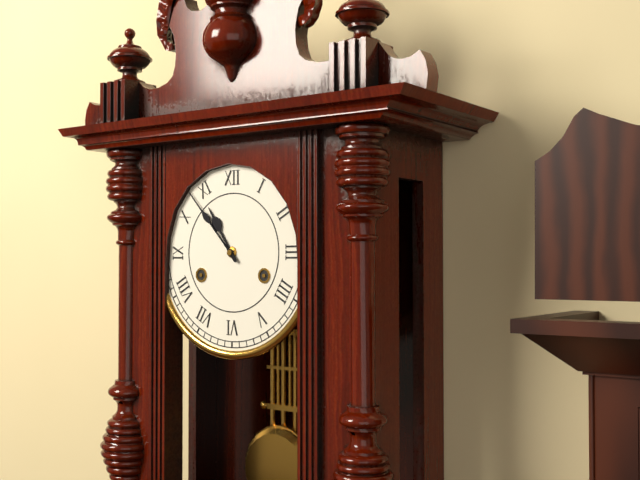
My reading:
10 h 53 min
